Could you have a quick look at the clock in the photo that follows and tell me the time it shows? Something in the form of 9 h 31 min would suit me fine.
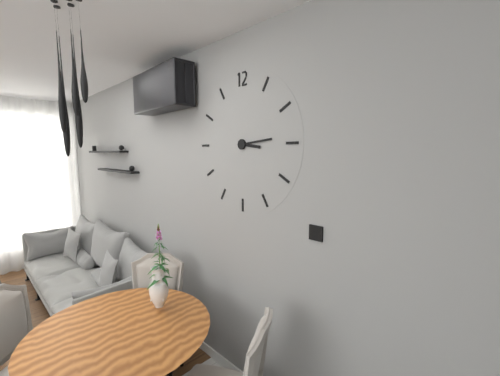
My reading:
3 h 14 min
